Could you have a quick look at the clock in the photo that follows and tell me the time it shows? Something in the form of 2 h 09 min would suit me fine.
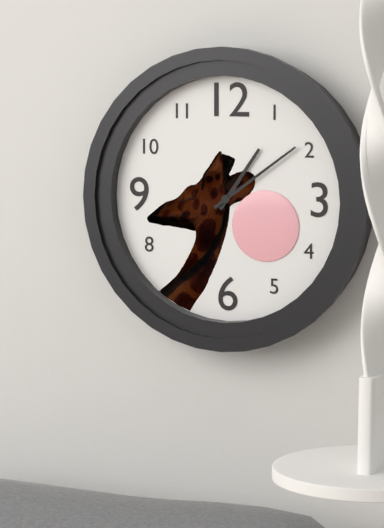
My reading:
1 h 09 min
